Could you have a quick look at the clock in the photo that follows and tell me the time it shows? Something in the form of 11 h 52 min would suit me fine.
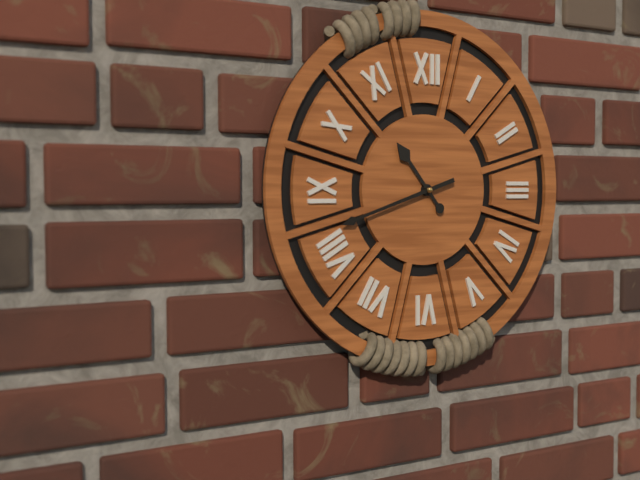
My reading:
10 h 42 min
